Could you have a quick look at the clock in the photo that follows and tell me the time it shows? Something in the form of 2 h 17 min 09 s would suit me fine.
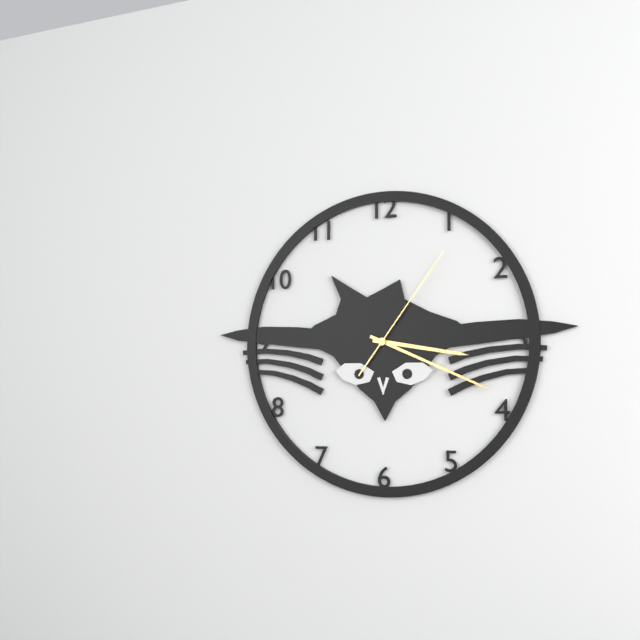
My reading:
3 h 19 min 06 s
